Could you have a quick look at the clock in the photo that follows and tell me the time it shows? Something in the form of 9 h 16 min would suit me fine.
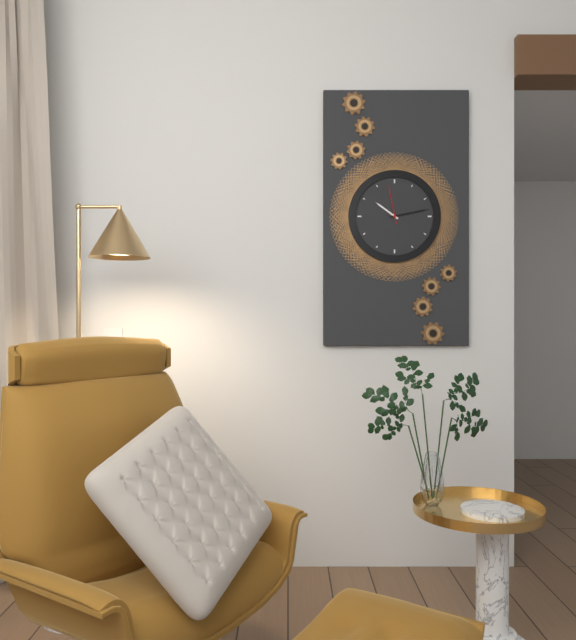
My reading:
10 h 13 min
